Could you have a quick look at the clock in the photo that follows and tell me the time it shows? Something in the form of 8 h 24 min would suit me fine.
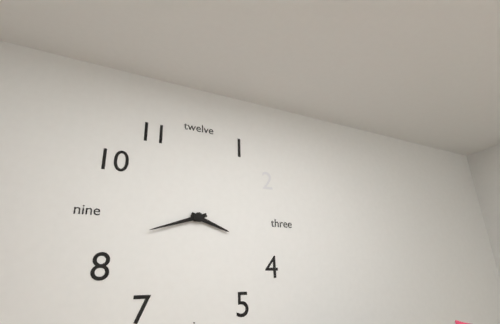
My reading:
3 h 42 min
